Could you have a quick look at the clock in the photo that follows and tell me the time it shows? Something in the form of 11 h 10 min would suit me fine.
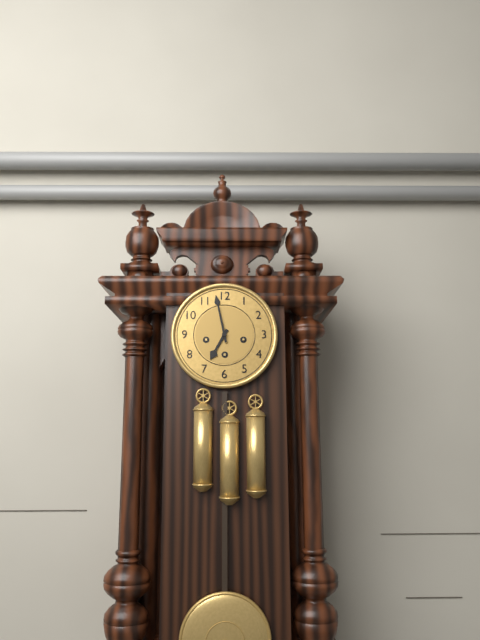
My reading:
6 h 58 min
